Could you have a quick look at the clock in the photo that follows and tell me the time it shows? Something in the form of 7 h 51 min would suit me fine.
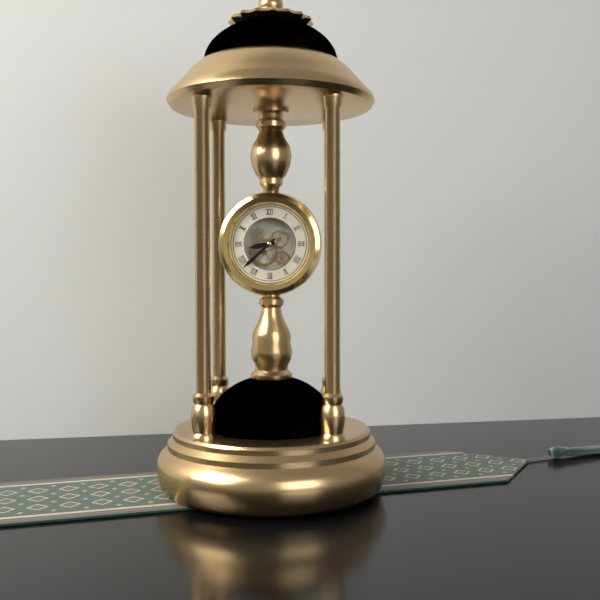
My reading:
8 h 38 min
